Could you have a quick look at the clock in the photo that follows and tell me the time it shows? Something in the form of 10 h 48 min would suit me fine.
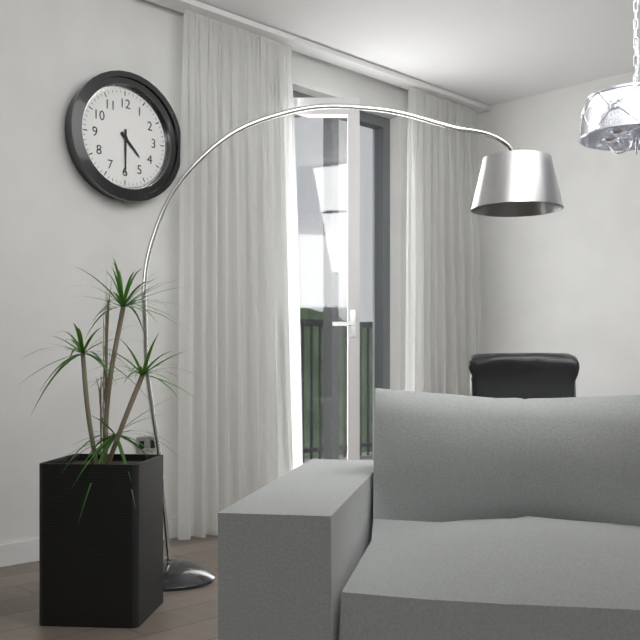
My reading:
4 h 30 min
